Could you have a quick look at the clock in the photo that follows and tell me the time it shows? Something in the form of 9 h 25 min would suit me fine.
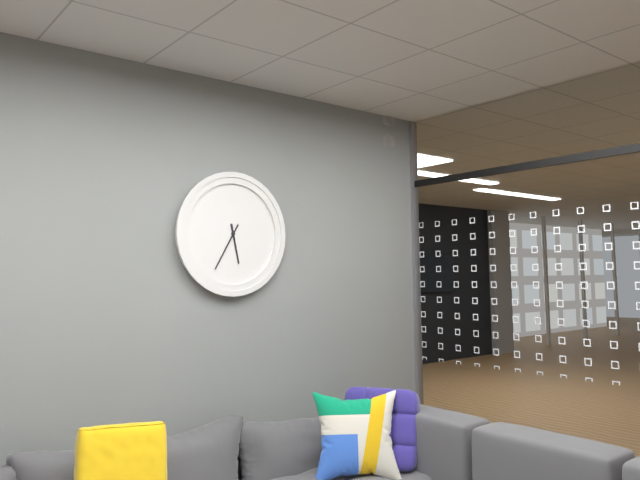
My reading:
5 h 35 min
